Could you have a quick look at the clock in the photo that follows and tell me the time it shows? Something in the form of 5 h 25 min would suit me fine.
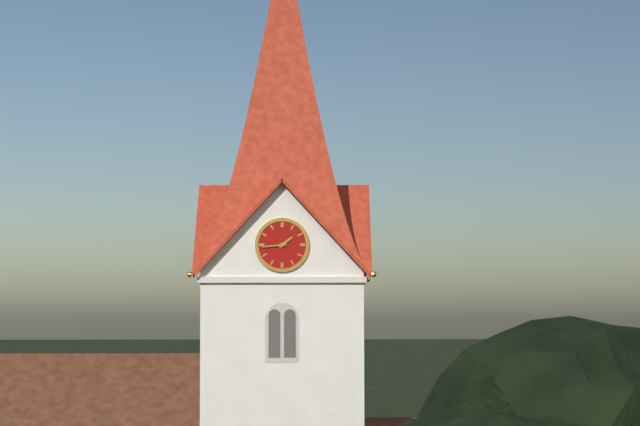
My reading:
1 h 44 min
